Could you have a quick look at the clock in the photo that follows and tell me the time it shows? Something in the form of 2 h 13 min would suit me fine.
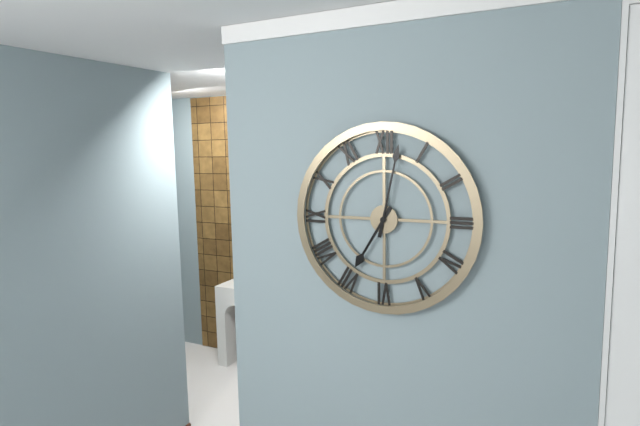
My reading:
7 h 02 min
